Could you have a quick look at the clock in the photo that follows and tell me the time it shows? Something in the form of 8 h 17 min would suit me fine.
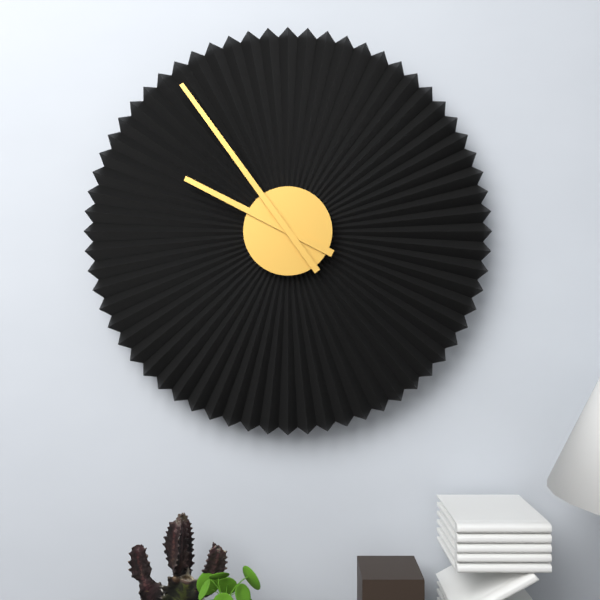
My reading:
9 h 54 min
